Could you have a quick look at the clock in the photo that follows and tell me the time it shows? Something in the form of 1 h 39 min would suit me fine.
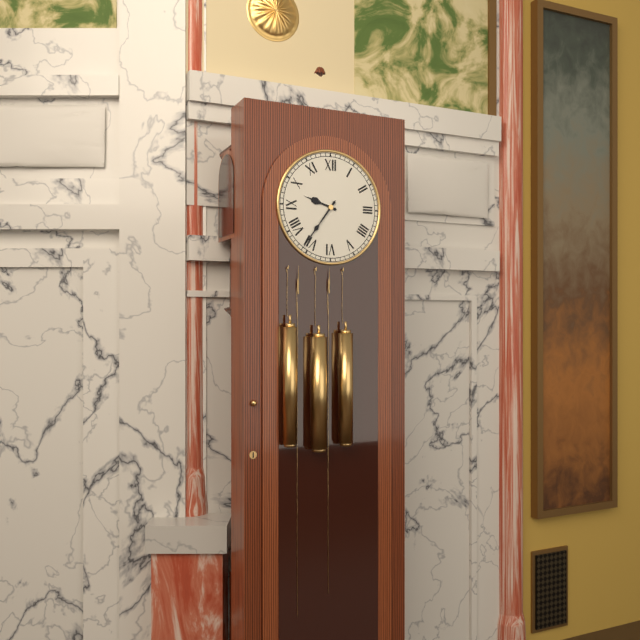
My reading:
9 h 36 min
